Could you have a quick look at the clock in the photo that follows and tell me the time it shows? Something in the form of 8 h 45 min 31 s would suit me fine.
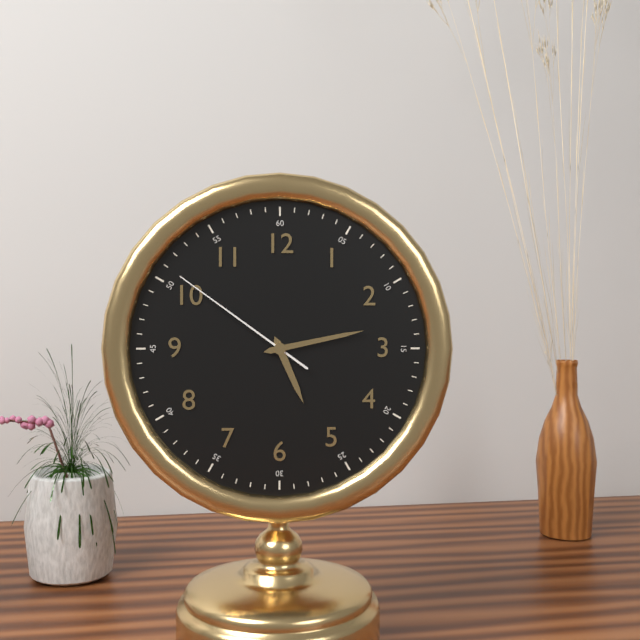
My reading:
5 h 13 min 51 s
